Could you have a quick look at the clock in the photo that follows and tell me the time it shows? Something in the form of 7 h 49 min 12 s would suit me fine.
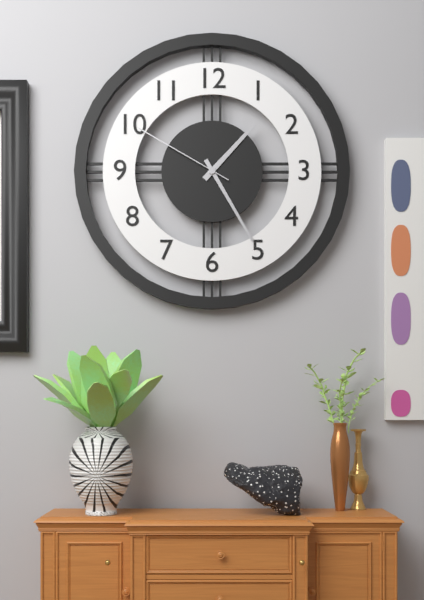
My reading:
1 h 25 min 50 s
